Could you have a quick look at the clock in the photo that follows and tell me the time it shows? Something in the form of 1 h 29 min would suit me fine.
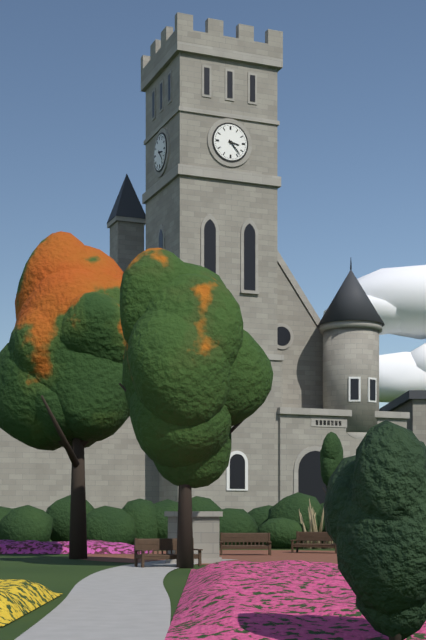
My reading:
3 h 23 min
